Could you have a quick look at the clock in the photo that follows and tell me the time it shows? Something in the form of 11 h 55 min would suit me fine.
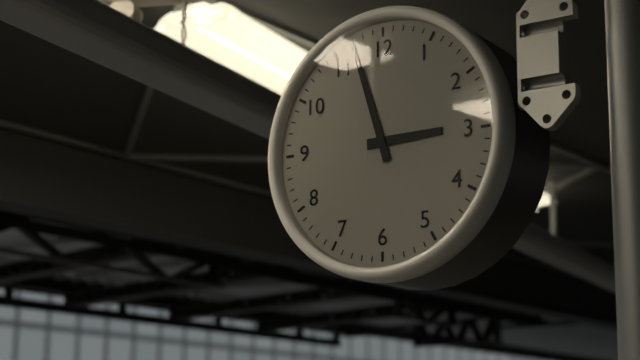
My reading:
2 h 57 min
